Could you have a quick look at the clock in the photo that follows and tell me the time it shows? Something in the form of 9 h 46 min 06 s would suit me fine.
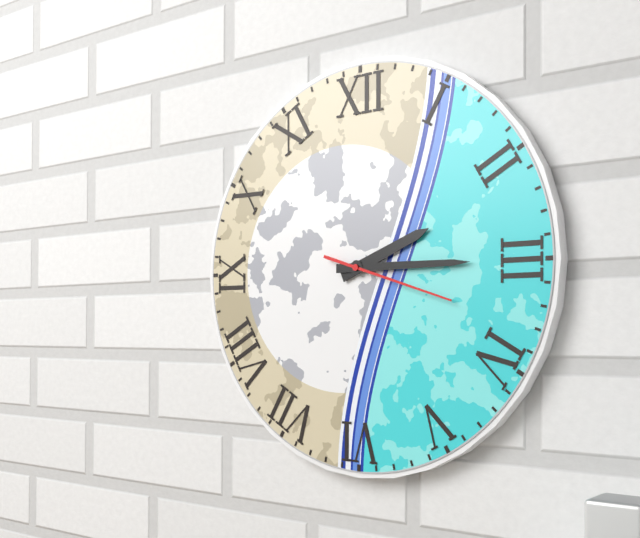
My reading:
2 h 15 min 18 s
